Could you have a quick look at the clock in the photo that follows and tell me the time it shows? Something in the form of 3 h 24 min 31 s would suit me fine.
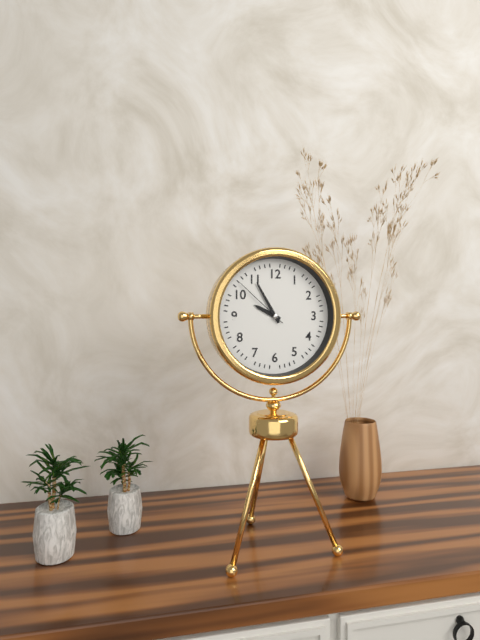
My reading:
9 h 55 min 52 s
